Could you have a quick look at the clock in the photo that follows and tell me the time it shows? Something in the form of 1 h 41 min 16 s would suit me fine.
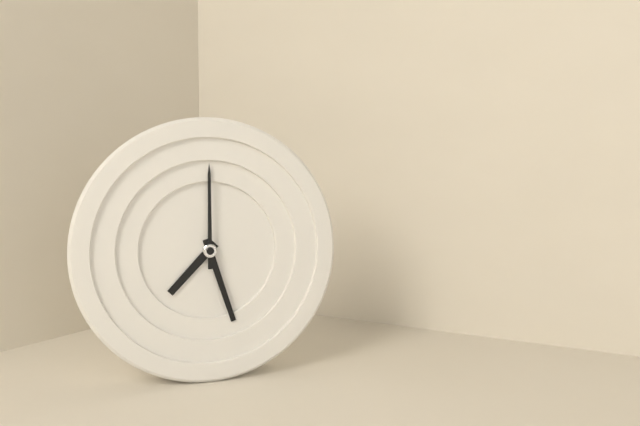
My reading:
7 h 27 min 00 s
